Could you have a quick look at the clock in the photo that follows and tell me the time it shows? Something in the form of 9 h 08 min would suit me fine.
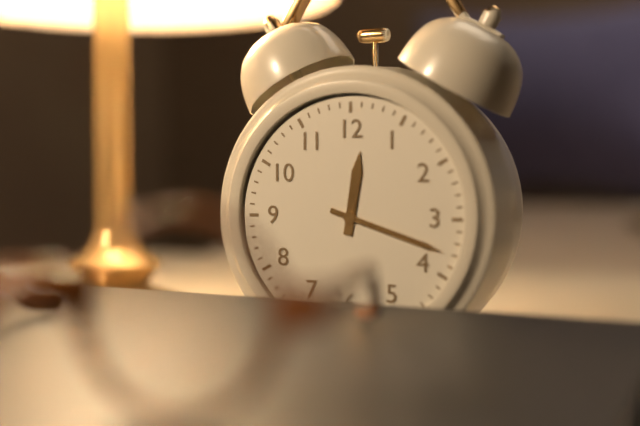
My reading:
12 h 18 min
